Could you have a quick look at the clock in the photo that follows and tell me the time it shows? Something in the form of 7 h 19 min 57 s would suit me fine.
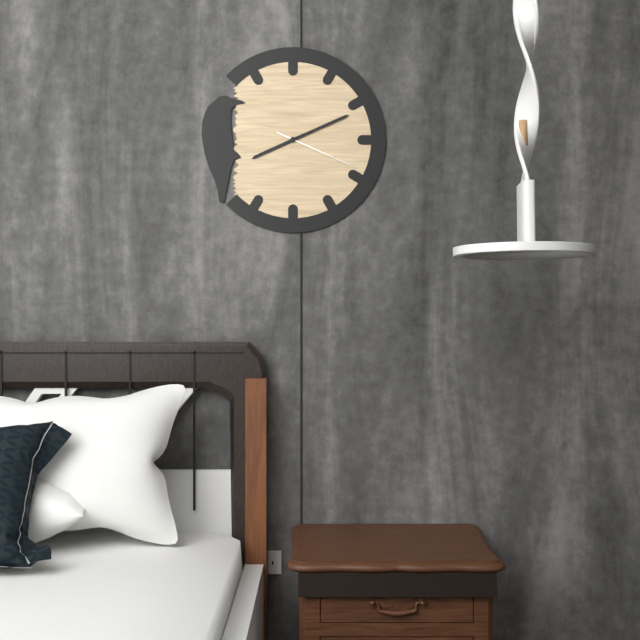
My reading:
8 h 11 min 19 s
